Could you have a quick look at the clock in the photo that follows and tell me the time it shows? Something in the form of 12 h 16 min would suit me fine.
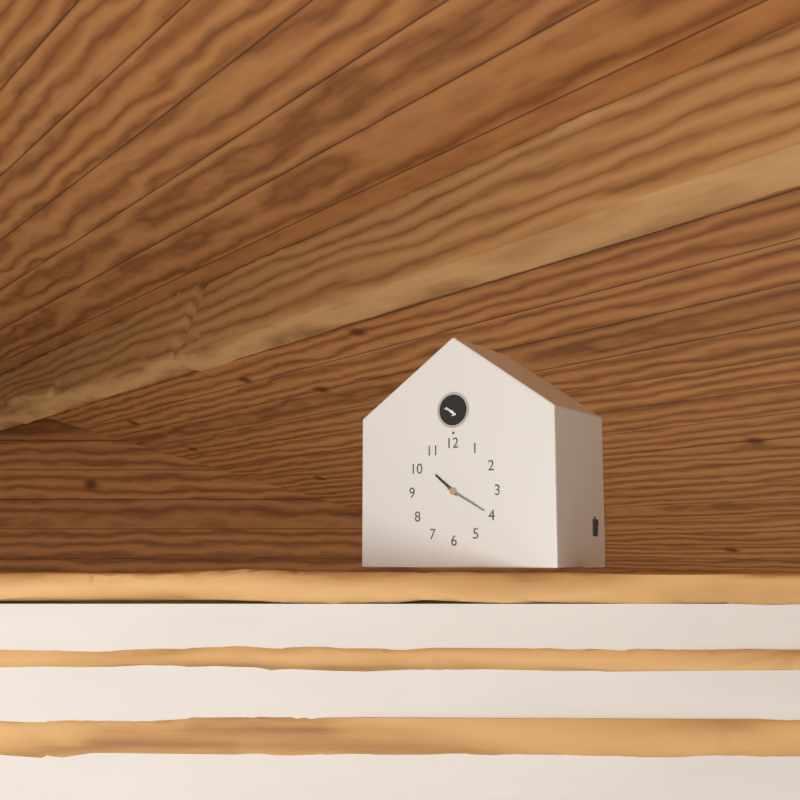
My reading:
10 h 20 min
